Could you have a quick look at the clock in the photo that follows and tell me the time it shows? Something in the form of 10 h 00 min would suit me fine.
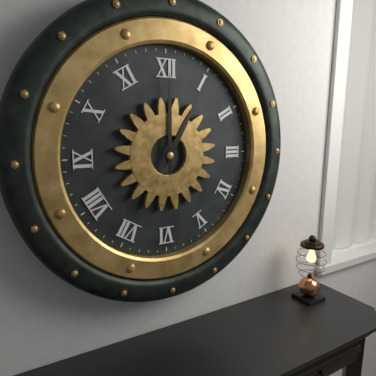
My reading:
1 h 00 min
